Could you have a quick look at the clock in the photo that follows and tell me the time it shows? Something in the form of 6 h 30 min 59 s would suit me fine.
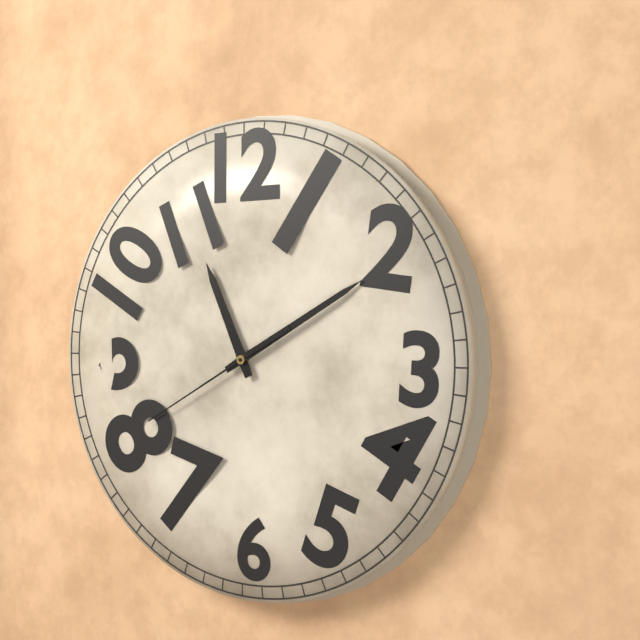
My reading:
11 h 10 min 40 s
